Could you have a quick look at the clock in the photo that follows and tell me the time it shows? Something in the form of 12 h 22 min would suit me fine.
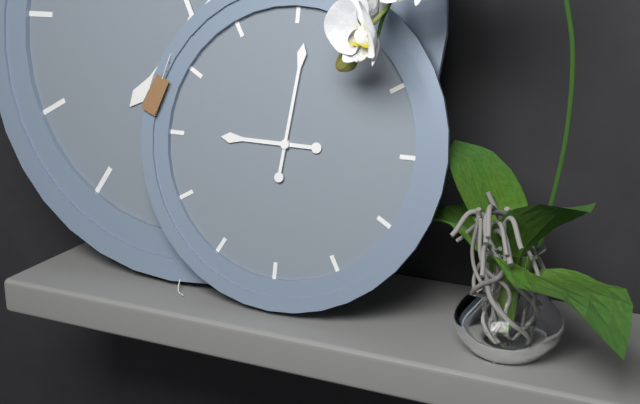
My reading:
9 h 01 min
